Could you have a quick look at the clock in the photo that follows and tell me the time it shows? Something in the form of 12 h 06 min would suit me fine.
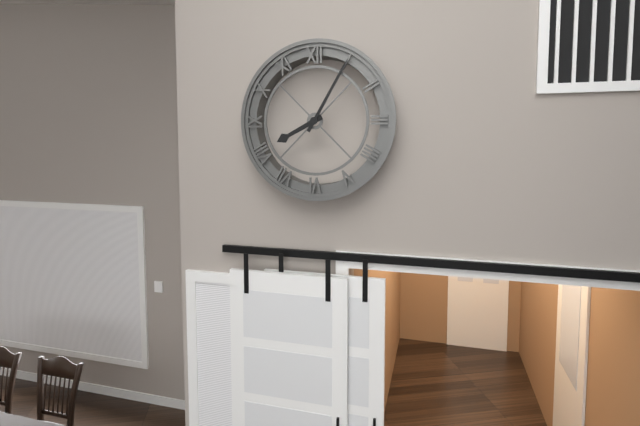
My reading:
8 h 05 min
